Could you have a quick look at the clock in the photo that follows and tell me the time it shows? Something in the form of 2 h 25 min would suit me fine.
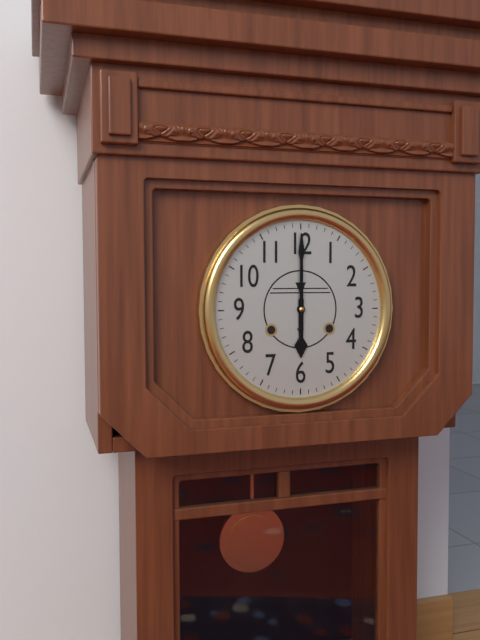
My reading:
6 h 00 min
